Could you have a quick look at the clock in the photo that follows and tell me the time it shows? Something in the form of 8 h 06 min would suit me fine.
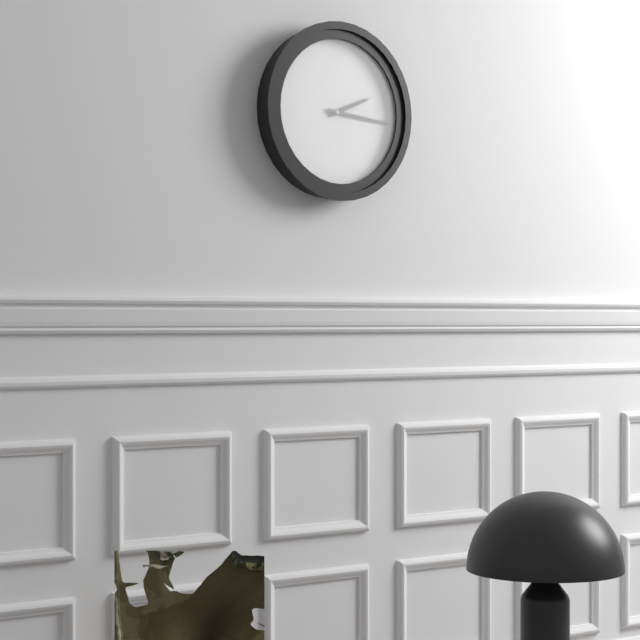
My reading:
2 h 16 min
